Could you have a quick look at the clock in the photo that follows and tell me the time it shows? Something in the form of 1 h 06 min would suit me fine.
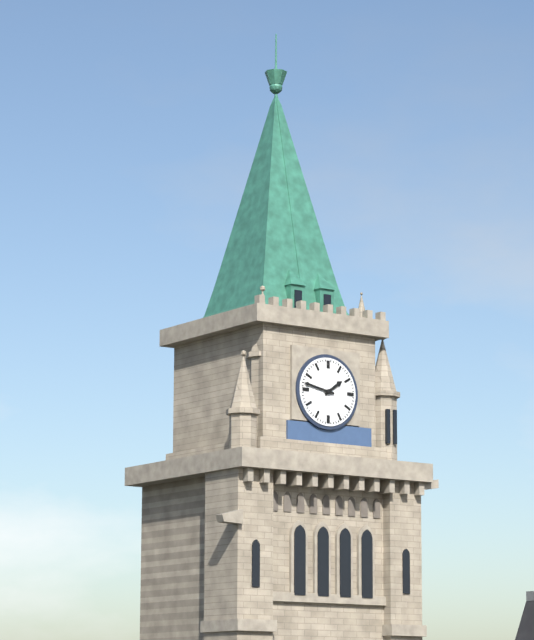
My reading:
1 h 47 min
